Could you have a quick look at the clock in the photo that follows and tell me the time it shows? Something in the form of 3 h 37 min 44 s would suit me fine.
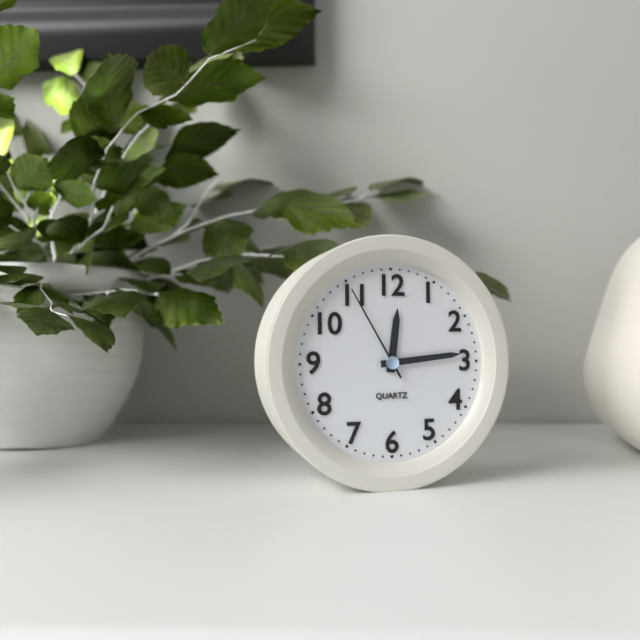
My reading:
12 h 14 min 55 s
